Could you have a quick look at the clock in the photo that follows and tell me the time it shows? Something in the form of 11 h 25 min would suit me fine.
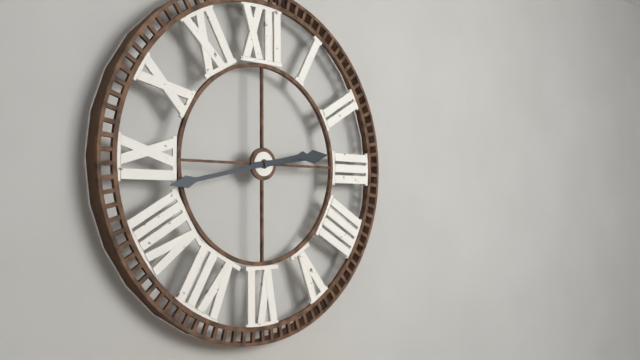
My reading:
2 h 43 min
